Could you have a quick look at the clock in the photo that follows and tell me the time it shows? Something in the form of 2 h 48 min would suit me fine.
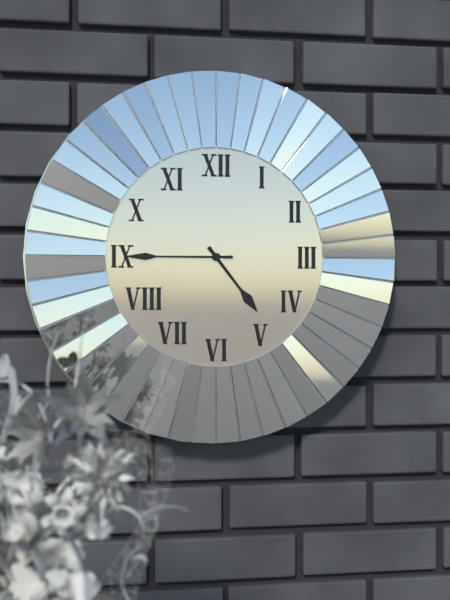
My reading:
4 h 45 min
